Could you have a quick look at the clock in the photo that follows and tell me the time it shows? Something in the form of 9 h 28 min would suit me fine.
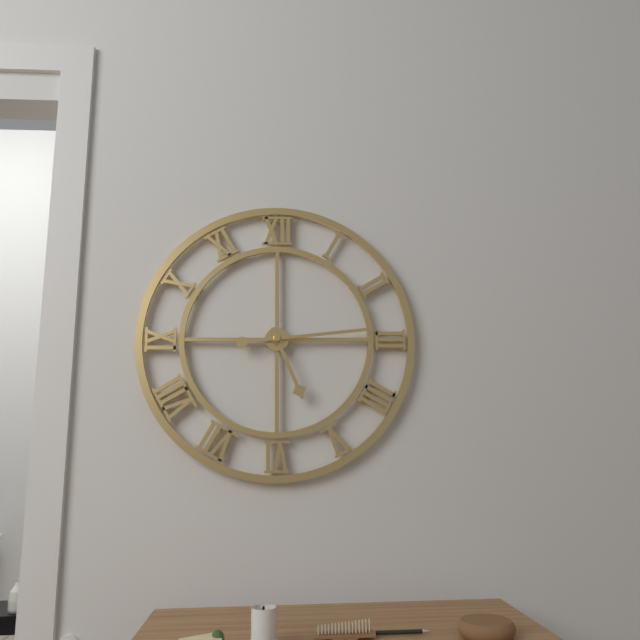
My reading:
5 h 14 min
